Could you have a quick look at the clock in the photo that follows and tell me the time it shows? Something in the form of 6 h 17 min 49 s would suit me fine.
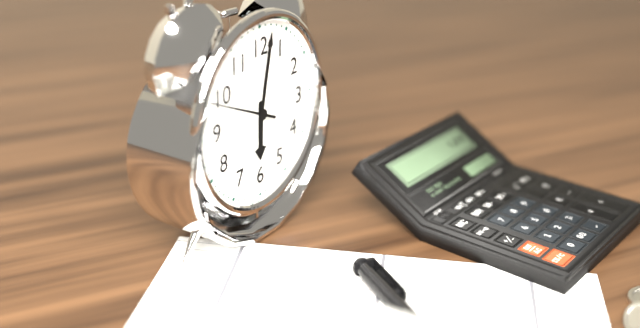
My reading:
6 h 02 min 49 s
